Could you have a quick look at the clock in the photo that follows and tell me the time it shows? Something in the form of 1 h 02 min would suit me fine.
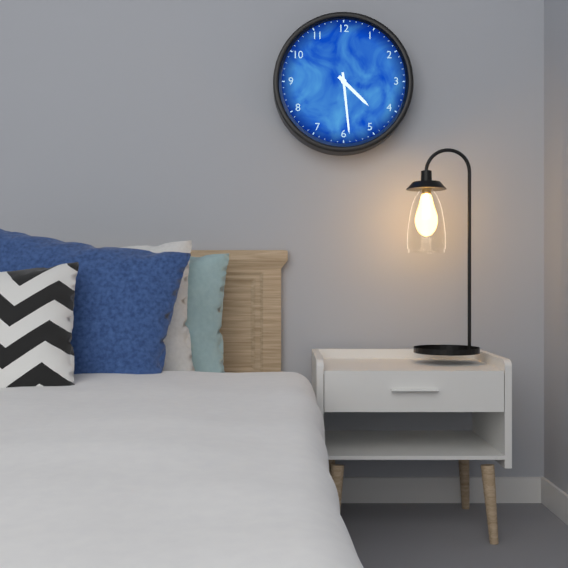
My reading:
4 h 29 min
